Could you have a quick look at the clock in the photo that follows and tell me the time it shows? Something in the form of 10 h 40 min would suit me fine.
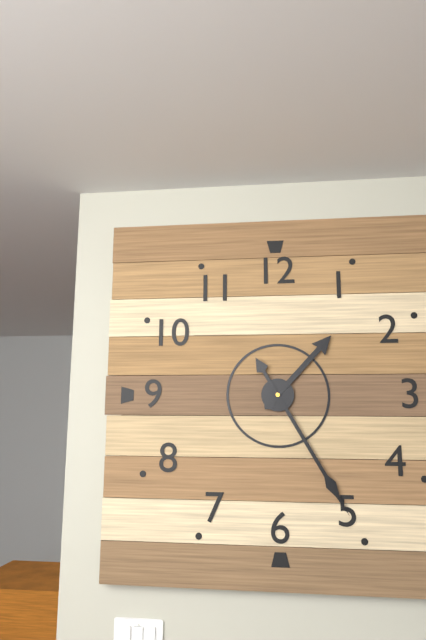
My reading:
1 h 25 min
